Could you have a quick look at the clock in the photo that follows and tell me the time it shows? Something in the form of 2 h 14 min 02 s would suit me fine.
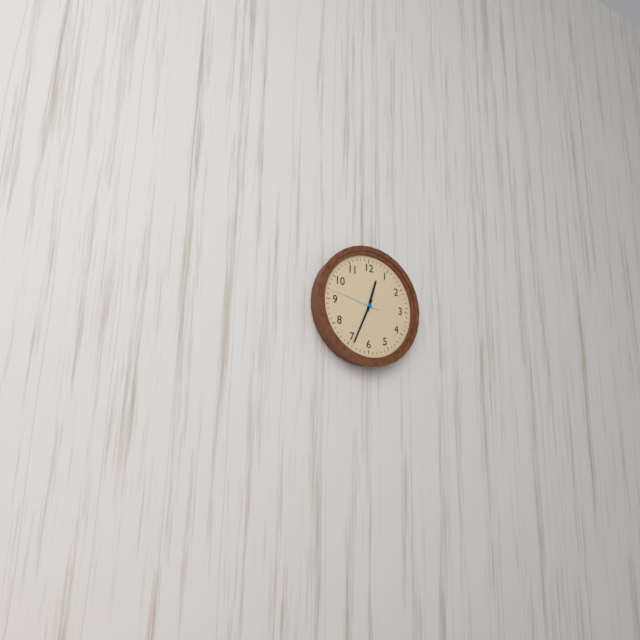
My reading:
12 h 34 min 47 s
